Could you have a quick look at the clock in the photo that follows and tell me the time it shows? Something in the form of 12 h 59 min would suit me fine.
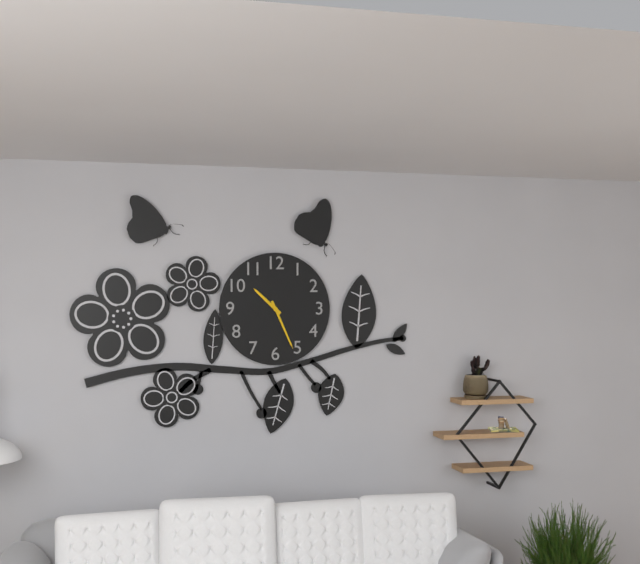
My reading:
10 h 26 min
